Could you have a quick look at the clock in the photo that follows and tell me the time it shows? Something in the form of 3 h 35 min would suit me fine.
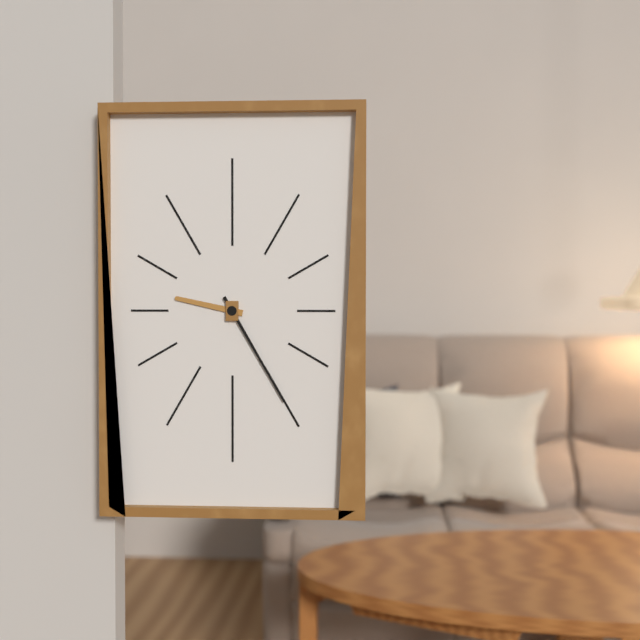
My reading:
9 h 25 min
